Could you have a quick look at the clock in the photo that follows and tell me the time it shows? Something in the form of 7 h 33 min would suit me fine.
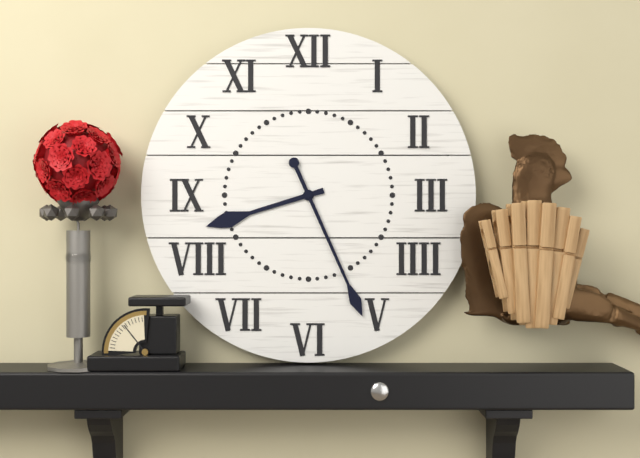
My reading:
8 h 26 min
